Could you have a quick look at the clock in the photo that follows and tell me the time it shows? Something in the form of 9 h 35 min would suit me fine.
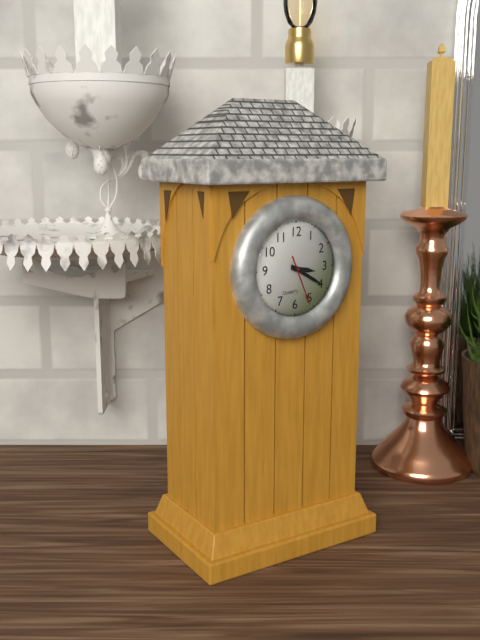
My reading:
3 h 20 min
